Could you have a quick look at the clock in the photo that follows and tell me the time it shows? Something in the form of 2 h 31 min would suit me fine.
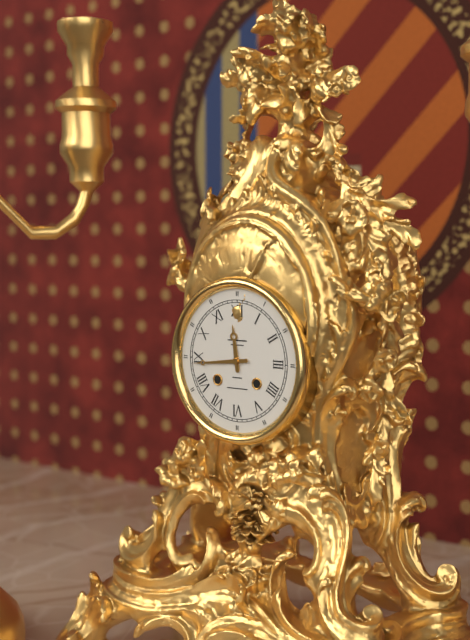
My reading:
11 h 44 min
